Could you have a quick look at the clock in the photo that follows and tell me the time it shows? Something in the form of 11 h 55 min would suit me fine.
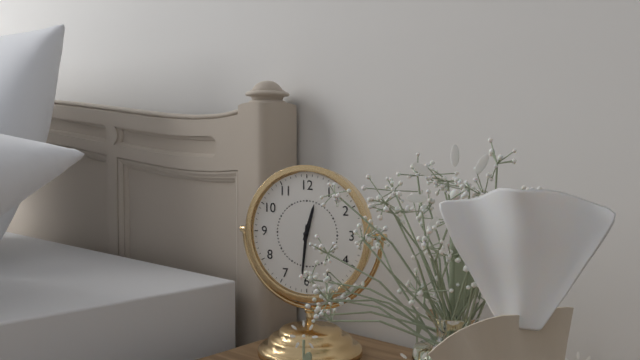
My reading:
12 h 31 min
